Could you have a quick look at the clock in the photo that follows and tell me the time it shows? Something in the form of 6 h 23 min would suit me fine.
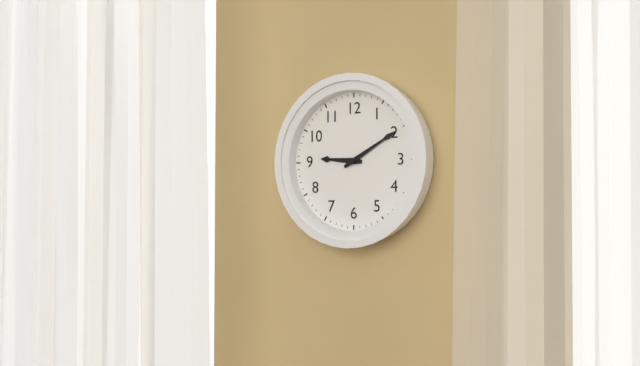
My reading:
9 h 10 min
